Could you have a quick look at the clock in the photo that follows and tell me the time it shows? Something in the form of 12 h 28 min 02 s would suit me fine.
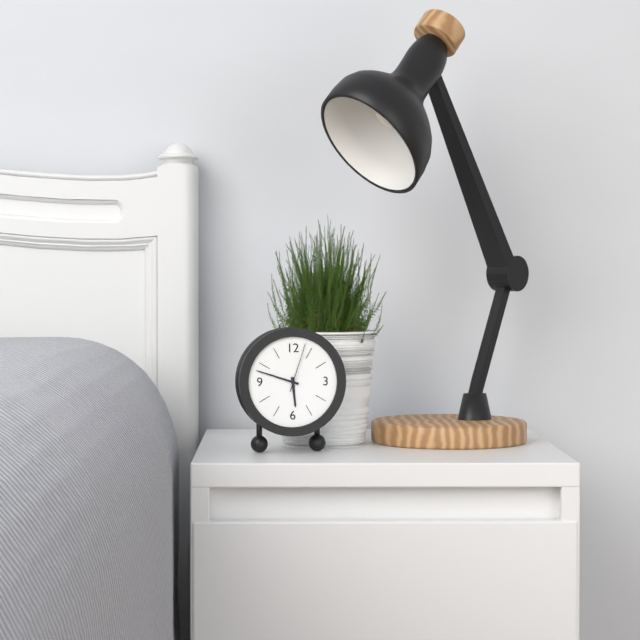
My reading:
5 h 48 min 03 s
